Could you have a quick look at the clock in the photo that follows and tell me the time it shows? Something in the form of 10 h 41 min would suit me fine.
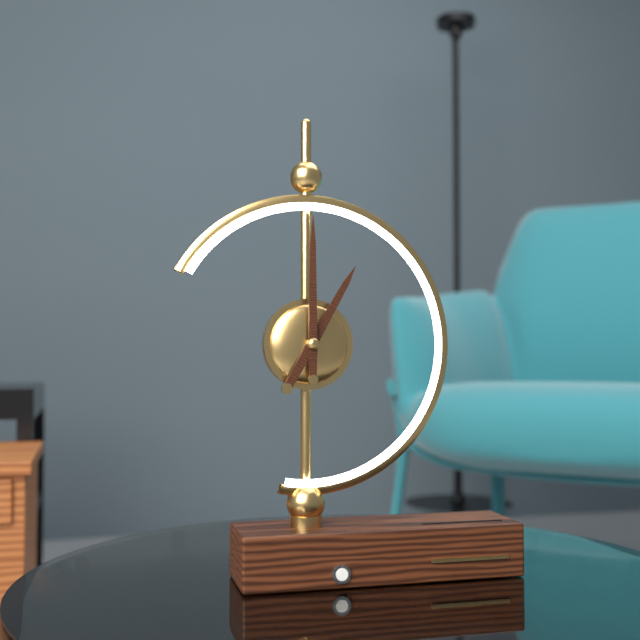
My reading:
1 h 00 min
